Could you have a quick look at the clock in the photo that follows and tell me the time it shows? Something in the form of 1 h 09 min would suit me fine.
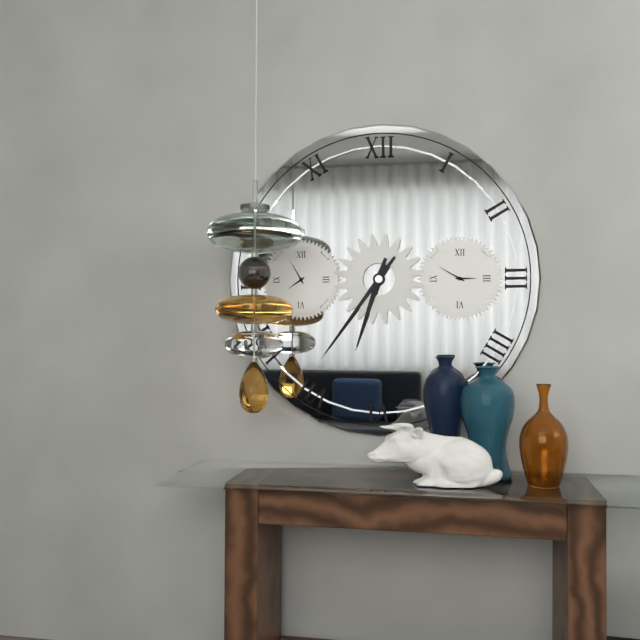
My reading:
6 h 36 min
